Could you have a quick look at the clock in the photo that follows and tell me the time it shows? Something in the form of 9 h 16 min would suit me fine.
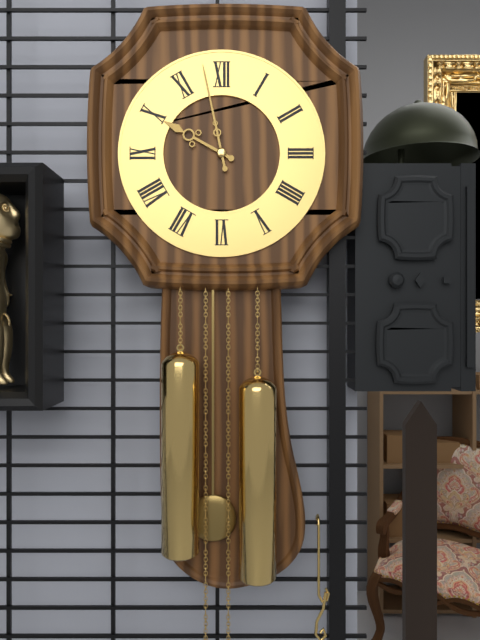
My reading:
9 h 58 min
